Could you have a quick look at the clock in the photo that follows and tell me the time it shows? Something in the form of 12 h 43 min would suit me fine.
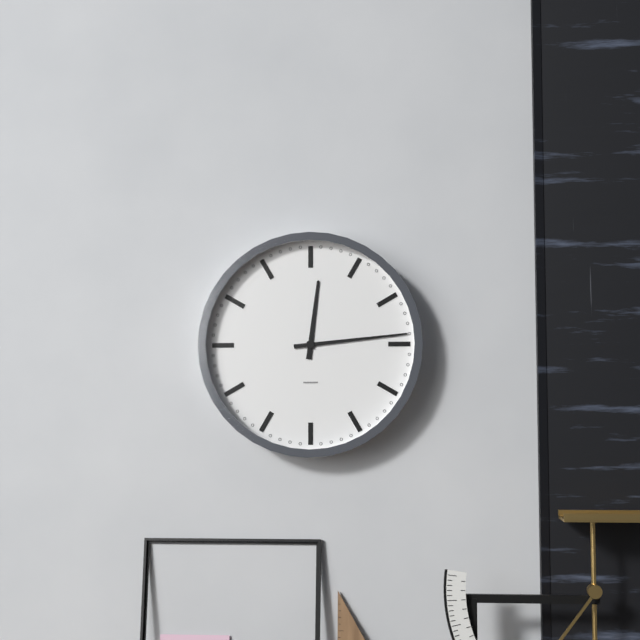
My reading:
12 h 14 min
